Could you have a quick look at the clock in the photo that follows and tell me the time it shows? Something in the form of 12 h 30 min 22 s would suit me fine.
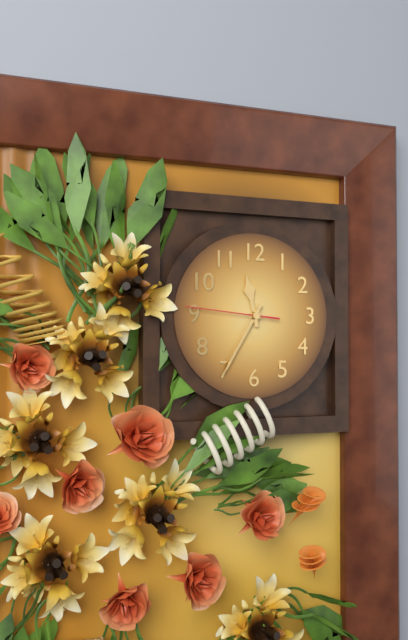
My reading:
11 h 35 min 46 s
